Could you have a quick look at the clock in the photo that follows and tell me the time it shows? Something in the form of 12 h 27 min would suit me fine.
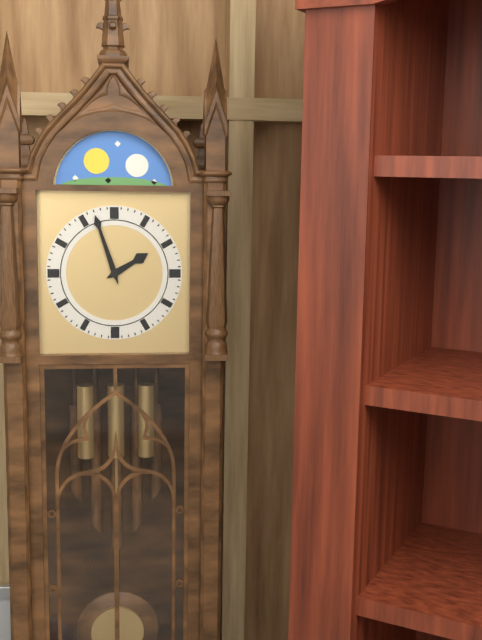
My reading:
1 h 57 min
